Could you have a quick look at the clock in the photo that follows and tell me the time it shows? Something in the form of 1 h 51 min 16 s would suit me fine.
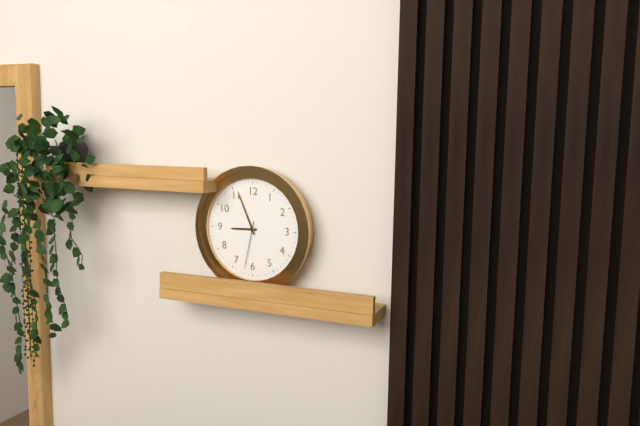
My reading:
8 h 56 min 32 s
